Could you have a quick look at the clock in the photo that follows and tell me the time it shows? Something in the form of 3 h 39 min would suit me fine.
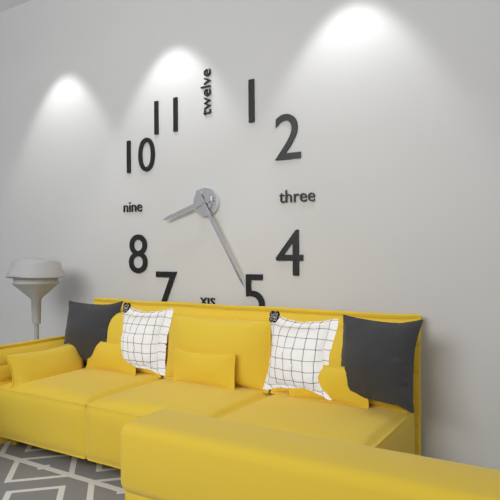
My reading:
8 h 25 min
